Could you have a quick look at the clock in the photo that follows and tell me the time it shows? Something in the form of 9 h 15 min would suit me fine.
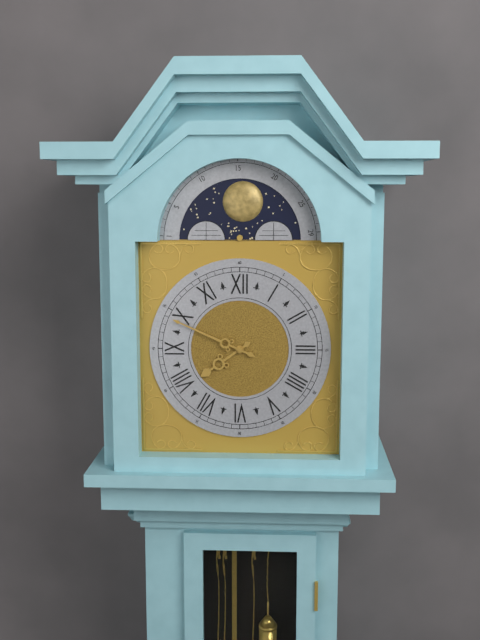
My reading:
7 h 49 min
